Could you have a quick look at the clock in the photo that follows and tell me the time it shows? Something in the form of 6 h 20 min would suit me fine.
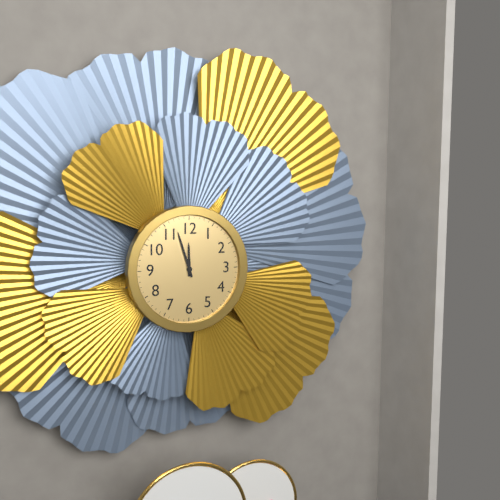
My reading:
11 h 57 min
